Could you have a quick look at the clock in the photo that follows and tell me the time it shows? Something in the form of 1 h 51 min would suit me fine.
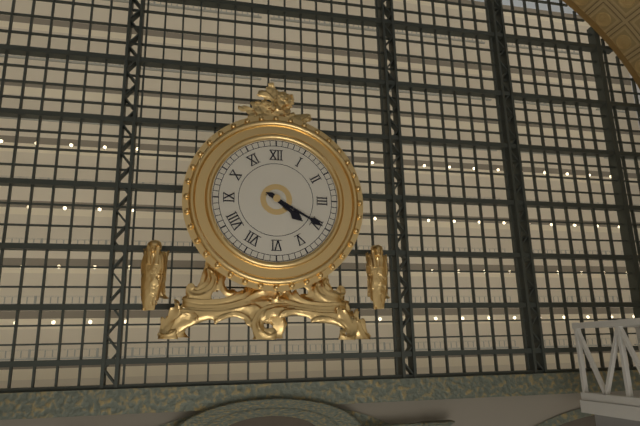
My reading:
4 h 20 min
